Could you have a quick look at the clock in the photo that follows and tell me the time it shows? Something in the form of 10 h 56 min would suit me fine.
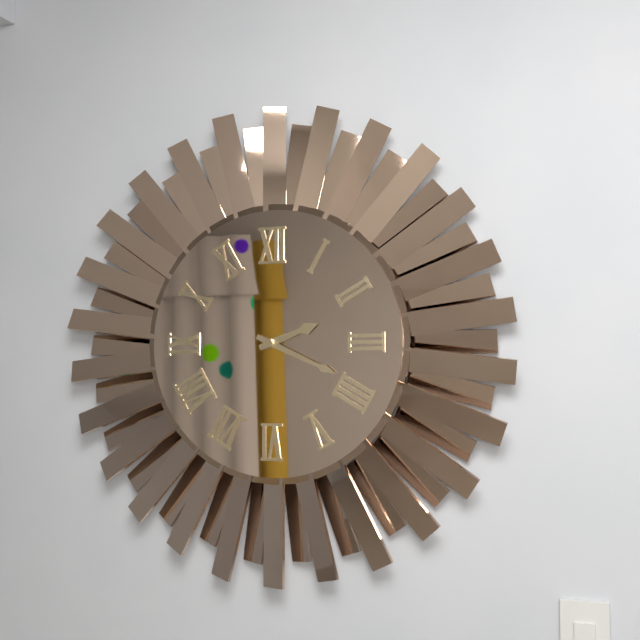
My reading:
2 h 19 min
